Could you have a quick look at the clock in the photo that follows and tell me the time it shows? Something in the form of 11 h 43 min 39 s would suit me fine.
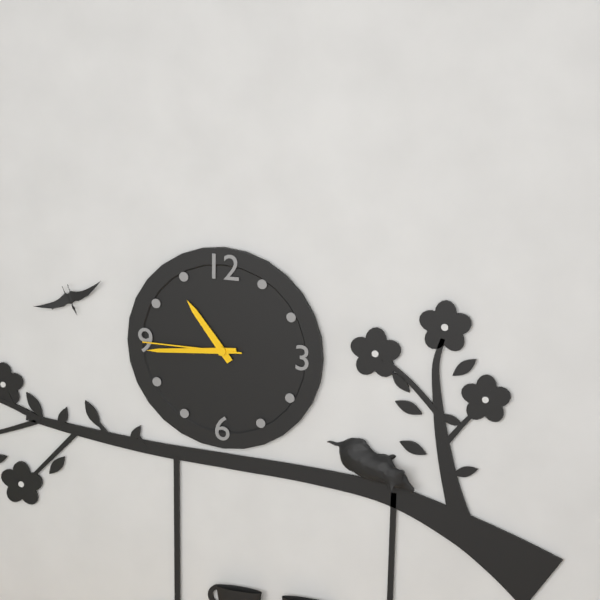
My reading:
10 h 44 min 45 s
